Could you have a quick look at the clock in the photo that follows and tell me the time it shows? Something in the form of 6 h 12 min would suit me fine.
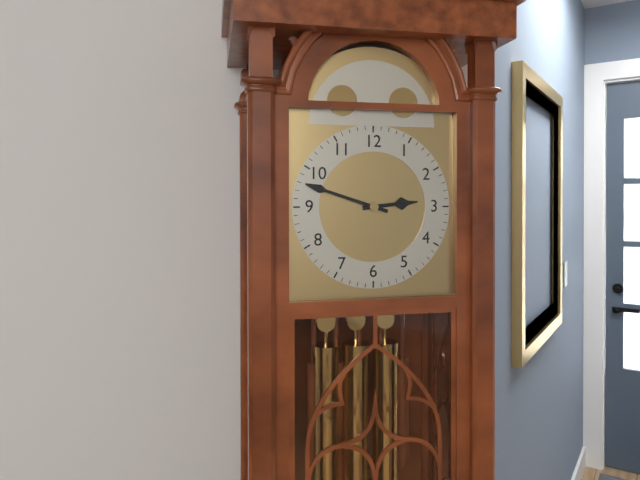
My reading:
2 h 48 min
